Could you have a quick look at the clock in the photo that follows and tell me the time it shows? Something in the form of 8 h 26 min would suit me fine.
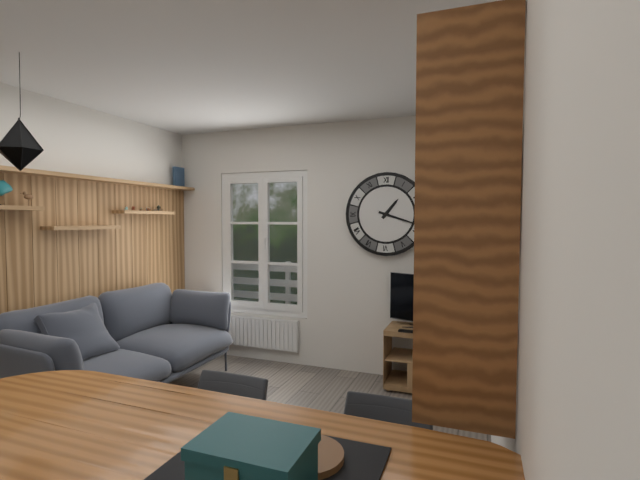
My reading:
1 h 18 min
